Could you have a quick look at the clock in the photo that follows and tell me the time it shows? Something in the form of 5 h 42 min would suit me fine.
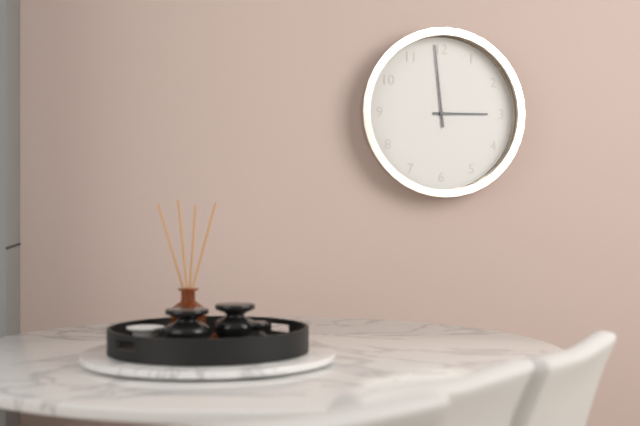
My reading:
2 h 59 min
